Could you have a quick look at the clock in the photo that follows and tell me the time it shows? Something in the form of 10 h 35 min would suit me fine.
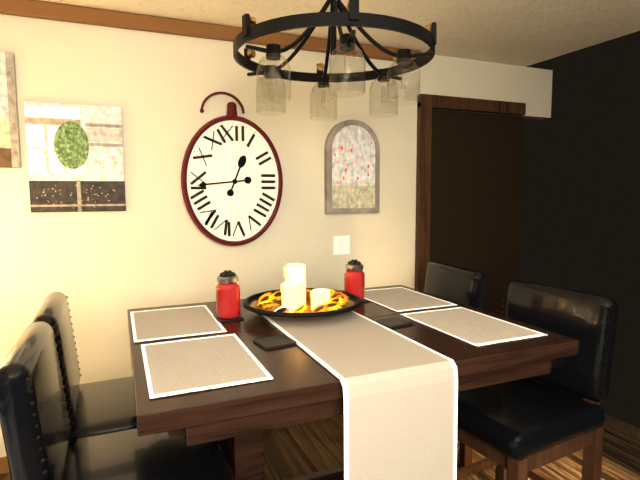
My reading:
12 h 44 min
